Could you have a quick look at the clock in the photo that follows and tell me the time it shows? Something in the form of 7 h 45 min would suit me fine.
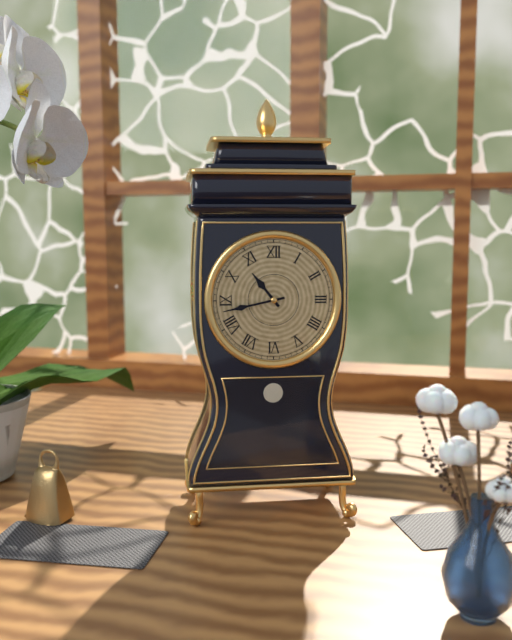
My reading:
10 h 43 min
